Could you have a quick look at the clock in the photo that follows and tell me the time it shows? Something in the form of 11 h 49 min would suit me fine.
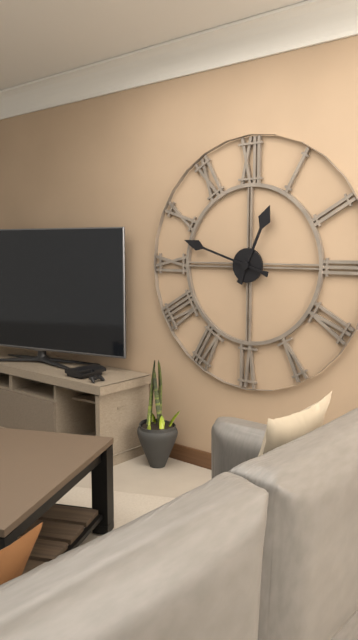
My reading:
12 h 48 min
